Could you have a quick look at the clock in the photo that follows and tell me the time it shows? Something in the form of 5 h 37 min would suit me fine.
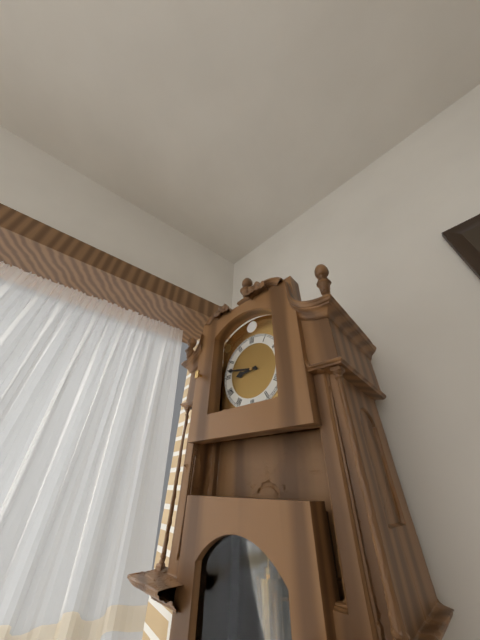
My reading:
8 h 47 min
